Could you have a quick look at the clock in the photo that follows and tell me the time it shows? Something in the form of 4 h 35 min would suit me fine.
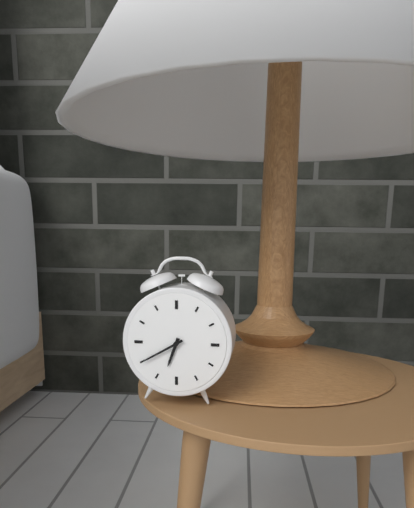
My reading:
6 h 40 min
